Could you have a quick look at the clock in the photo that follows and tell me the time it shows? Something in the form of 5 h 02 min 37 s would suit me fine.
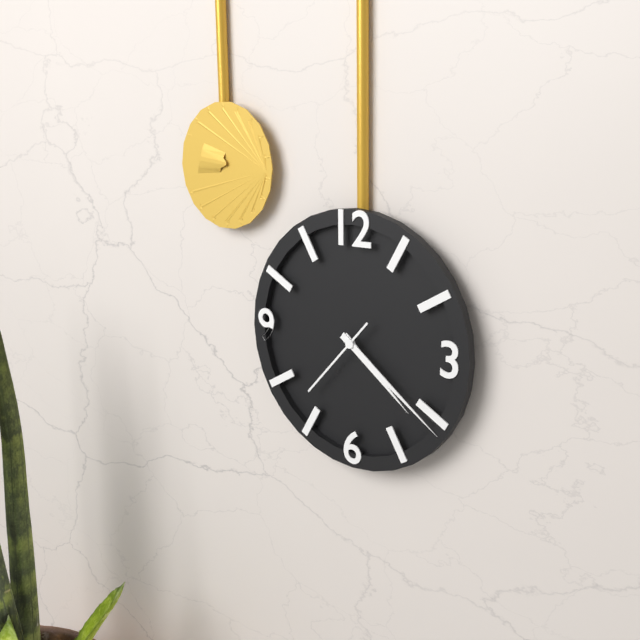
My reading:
4 h 21 min 37 s
